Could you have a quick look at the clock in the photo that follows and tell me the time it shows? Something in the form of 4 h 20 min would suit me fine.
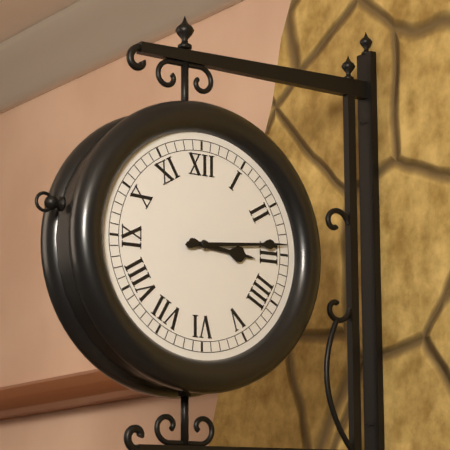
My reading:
3 h 14 min
